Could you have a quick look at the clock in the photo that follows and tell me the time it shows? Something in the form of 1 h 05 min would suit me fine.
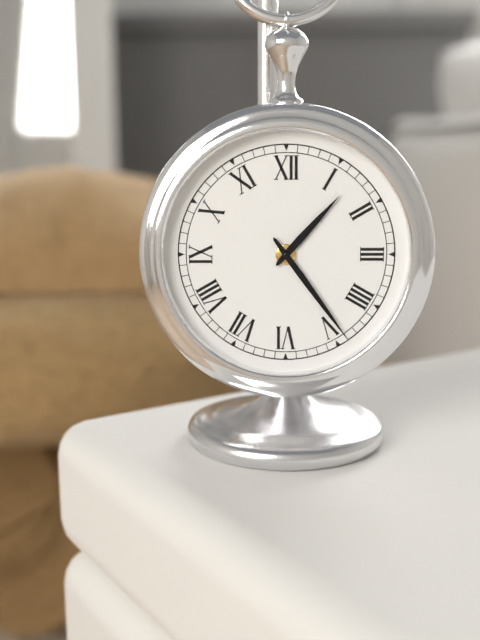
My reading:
1 h 24 min
